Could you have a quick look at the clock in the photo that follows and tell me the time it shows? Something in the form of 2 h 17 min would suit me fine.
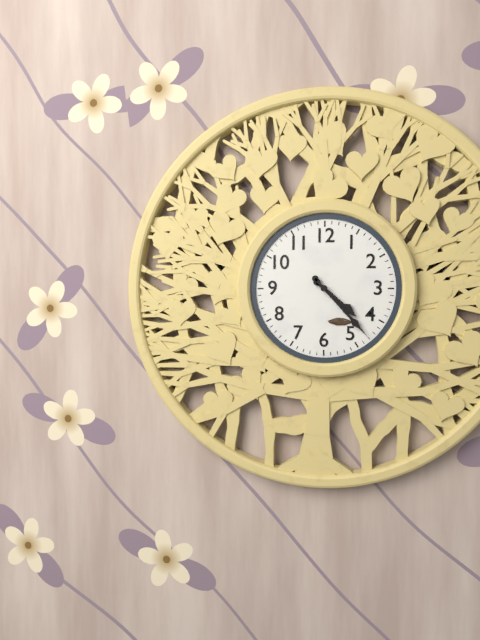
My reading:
4 h 23 min
